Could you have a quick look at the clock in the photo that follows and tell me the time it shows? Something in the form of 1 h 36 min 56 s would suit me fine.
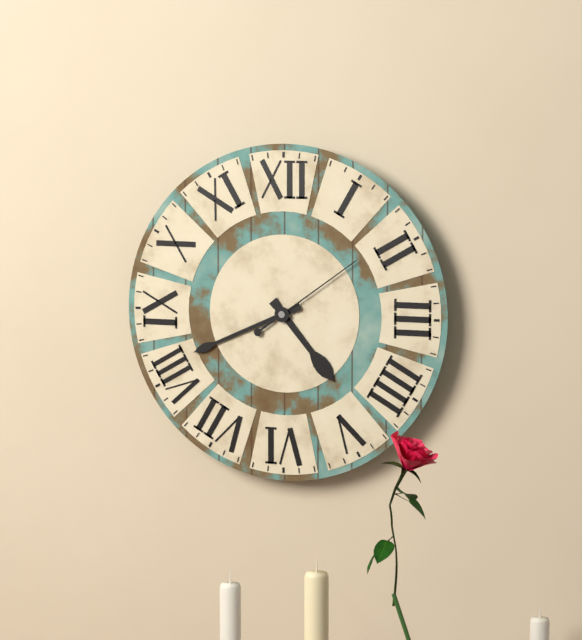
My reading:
4 h 41 min 09 s
